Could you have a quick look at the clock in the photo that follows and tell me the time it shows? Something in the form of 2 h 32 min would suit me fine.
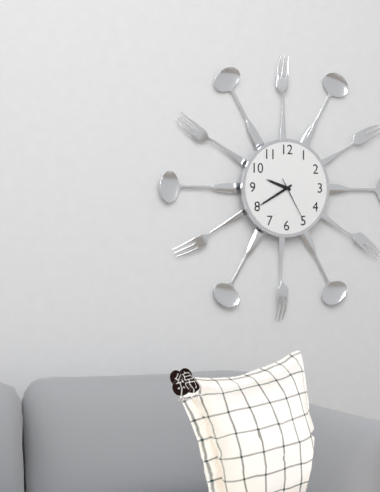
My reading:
9 h 40 min
